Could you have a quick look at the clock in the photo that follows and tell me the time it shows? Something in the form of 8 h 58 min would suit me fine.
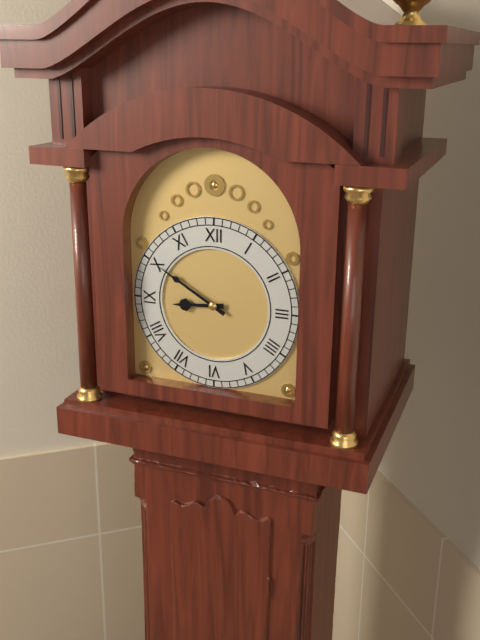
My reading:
8 h 50 min
